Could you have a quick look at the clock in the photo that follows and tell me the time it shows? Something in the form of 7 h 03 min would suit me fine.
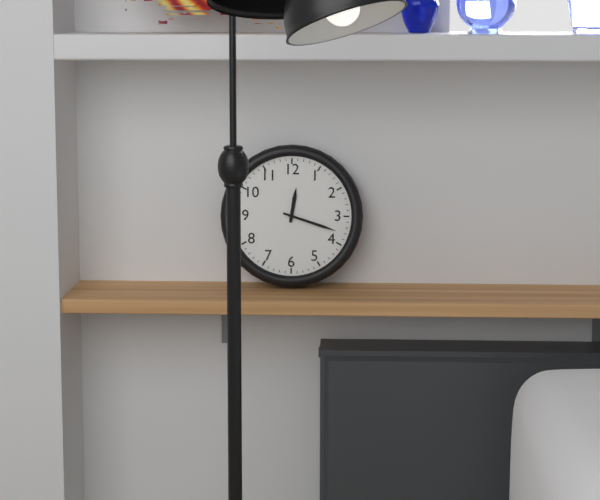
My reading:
12 h 18 min
